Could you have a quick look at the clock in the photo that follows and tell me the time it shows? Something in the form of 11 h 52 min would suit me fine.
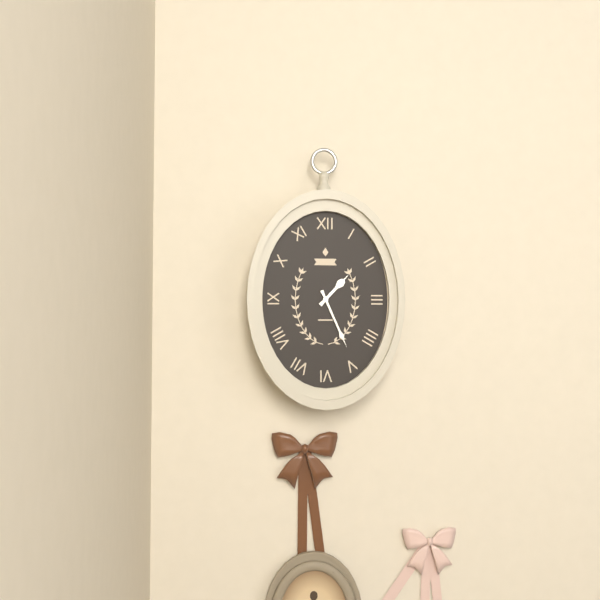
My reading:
1 h 26 min
